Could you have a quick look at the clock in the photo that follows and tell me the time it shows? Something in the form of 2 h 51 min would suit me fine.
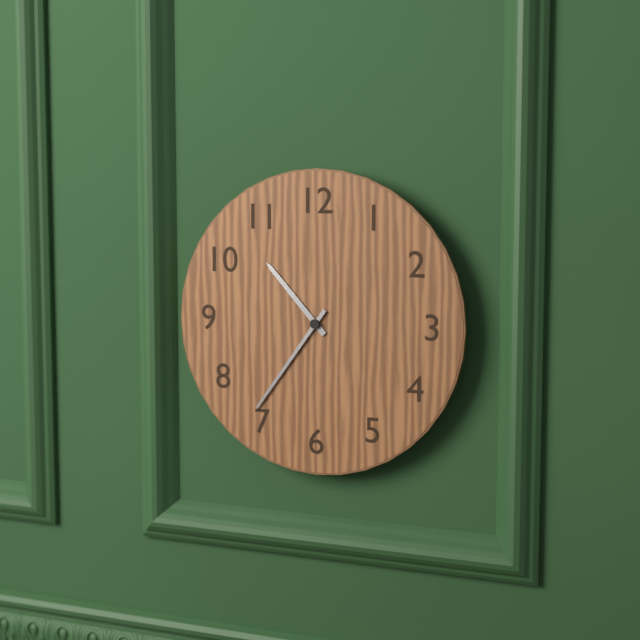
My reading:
10 h 36 min
